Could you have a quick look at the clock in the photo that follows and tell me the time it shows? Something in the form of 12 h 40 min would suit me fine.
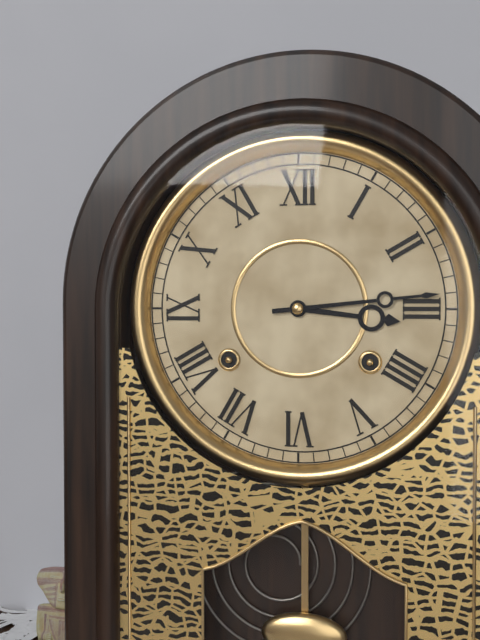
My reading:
3 h 14 min
